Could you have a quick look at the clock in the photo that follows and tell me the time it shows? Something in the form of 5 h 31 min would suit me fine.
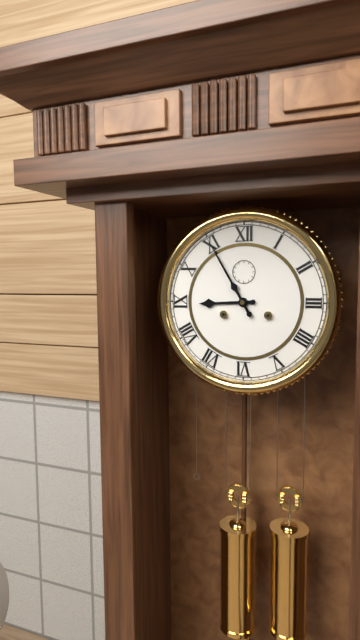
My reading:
8 h 55 min
